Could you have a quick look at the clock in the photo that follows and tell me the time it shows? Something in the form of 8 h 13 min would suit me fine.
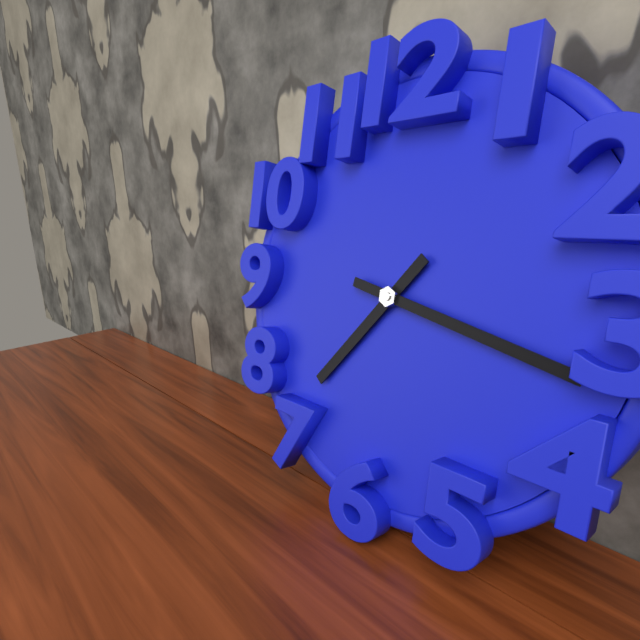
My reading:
7 h 17 min
